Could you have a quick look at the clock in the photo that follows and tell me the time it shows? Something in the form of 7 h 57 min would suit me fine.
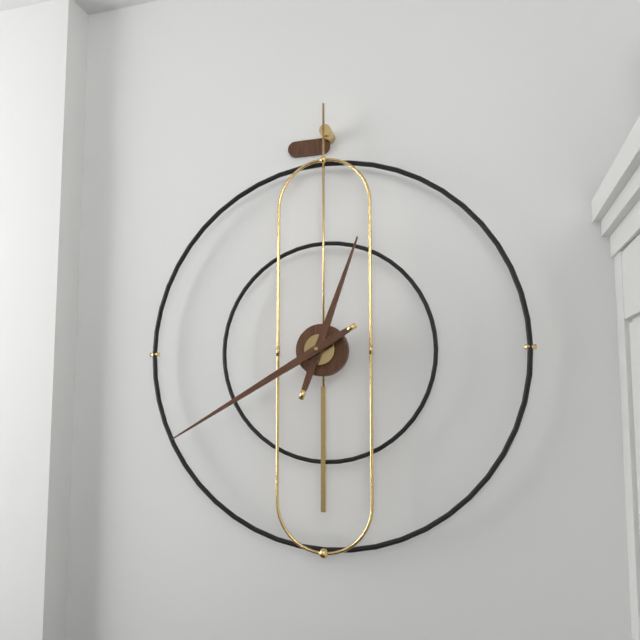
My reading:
12 h 40 min
